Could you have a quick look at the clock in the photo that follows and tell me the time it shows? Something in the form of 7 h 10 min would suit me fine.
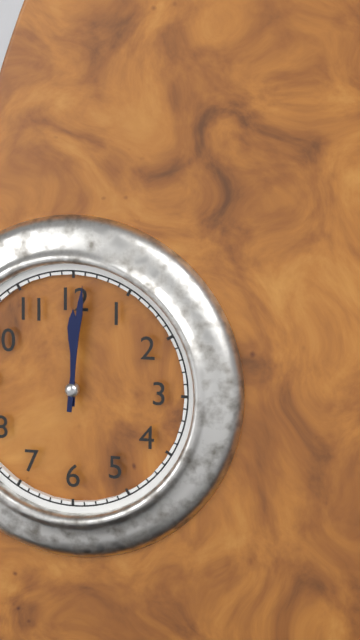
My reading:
12 h 01 min
